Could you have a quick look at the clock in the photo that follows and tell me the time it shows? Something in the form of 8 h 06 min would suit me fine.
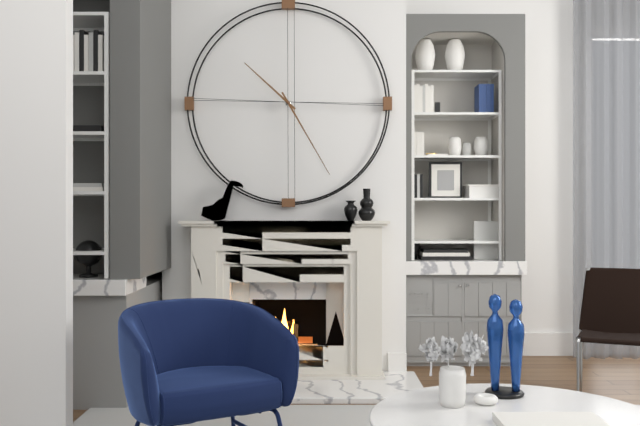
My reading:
10 h 25 min
